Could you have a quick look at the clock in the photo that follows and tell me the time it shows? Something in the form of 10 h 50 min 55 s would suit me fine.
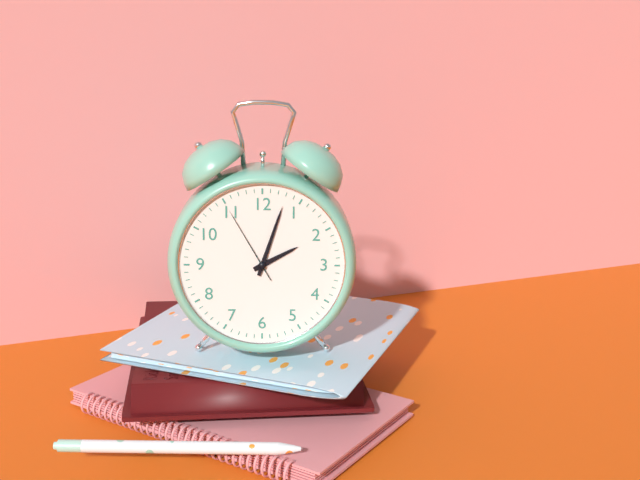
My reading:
2 h 03 min 55 s
